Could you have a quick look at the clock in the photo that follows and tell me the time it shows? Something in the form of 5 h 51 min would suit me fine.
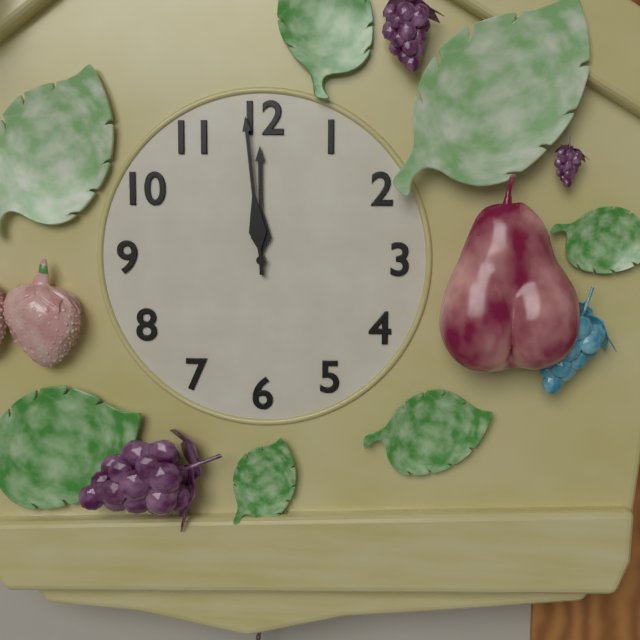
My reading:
11 h 59 min
